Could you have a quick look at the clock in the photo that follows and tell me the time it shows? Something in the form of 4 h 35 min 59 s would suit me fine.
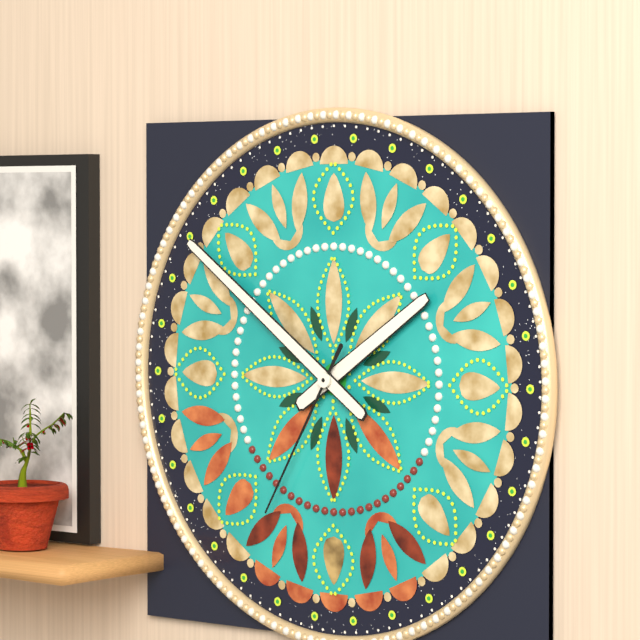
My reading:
1 h 51 min 35 s
